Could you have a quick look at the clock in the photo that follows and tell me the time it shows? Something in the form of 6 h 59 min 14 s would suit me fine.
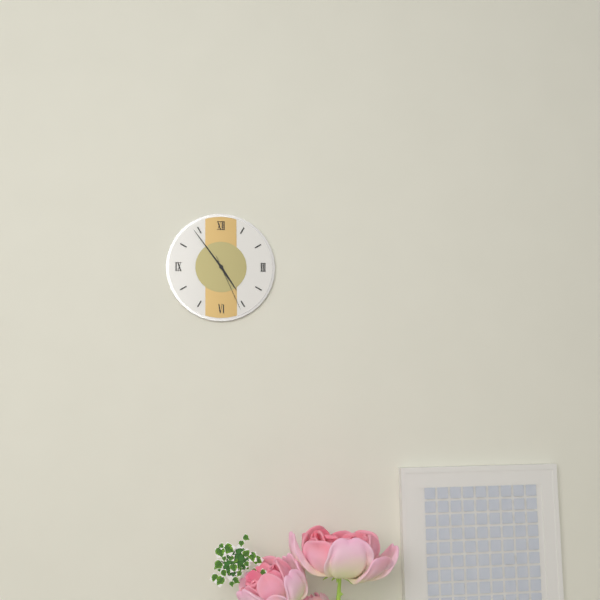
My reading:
4 h 54 min 26 s
